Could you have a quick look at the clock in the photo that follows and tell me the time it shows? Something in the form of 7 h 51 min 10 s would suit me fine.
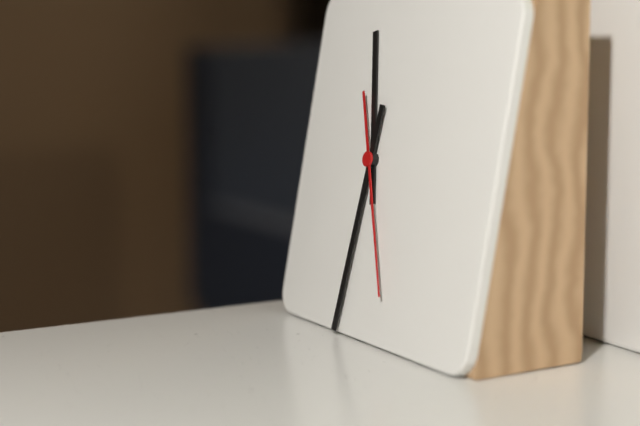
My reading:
11 h 31 min 26 s
